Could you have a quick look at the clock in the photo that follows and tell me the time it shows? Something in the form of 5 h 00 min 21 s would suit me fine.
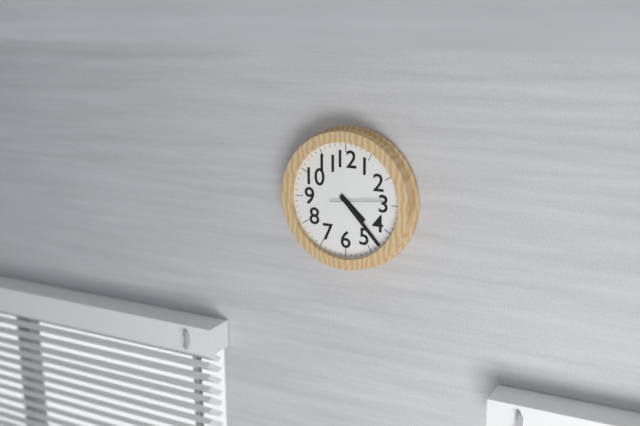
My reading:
4 h 23 min 14 s
